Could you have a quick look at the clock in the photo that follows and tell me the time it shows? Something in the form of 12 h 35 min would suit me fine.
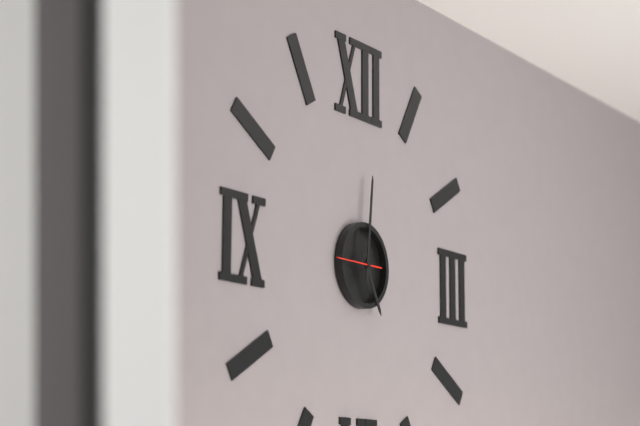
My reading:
5 h 01 min
